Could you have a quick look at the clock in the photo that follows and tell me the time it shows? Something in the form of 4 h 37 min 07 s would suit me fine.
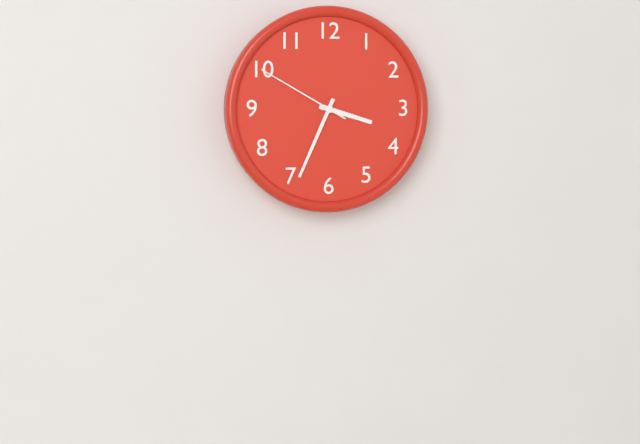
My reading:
3 h 34 min 50 s
